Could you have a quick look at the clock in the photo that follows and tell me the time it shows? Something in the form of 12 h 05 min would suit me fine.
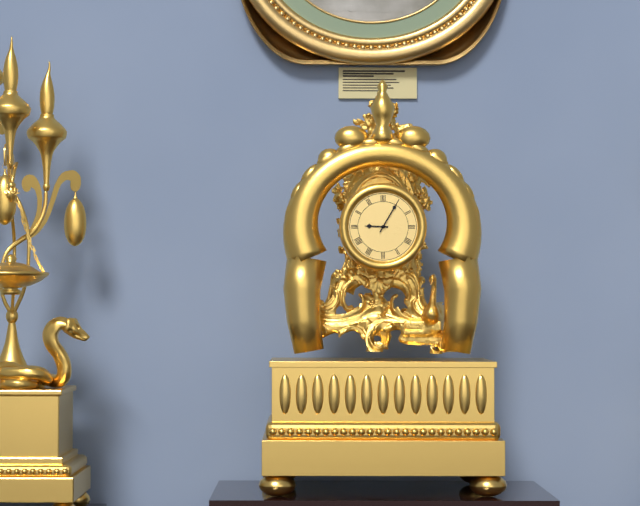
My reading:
9 h 05 min
